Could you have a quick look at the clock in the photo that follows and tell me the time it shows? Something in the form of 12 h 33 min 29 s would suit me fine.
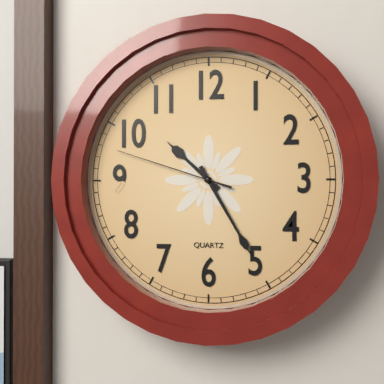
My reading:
10 h 25 min 48 s
